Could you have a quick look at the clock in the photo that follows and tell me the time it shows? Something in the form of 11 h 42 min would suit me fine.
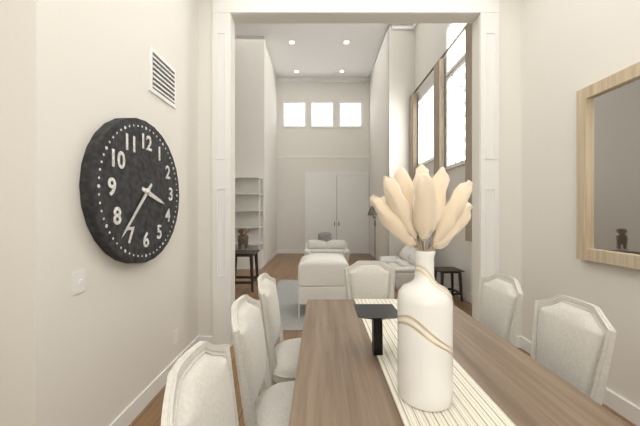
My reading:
3 h 37 min
